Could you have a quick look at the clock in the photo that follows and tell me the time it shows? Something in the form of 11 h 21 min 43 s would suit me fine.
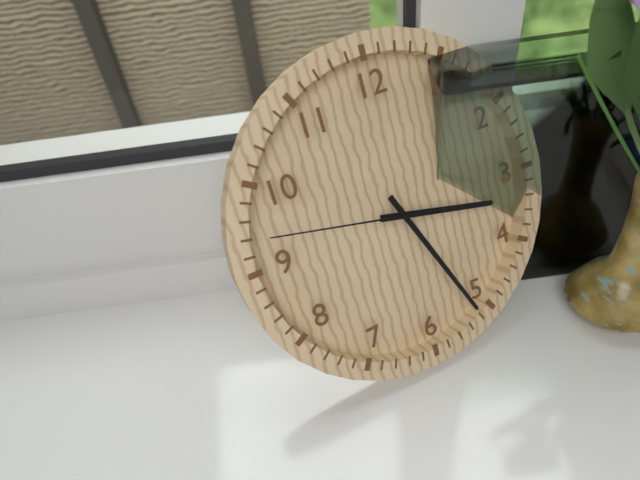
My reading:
3 h 26 min 47 s
